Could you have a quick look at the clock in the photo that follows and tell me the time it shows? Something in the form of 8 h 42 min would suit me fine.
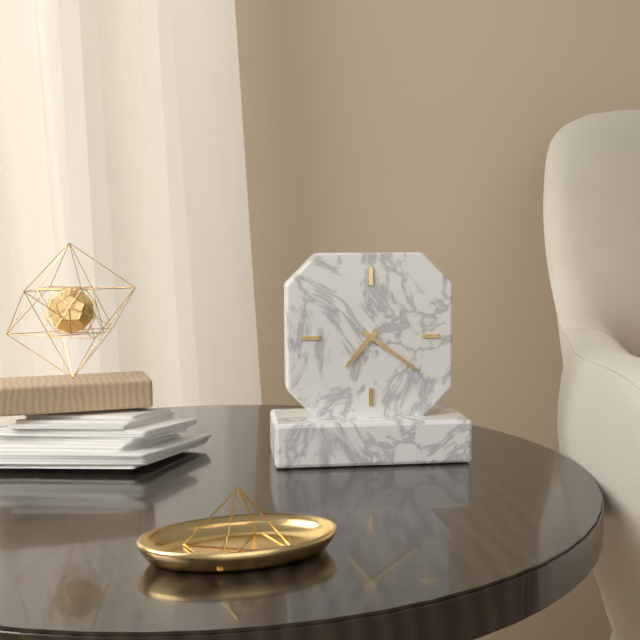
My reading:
7 h 21 min
